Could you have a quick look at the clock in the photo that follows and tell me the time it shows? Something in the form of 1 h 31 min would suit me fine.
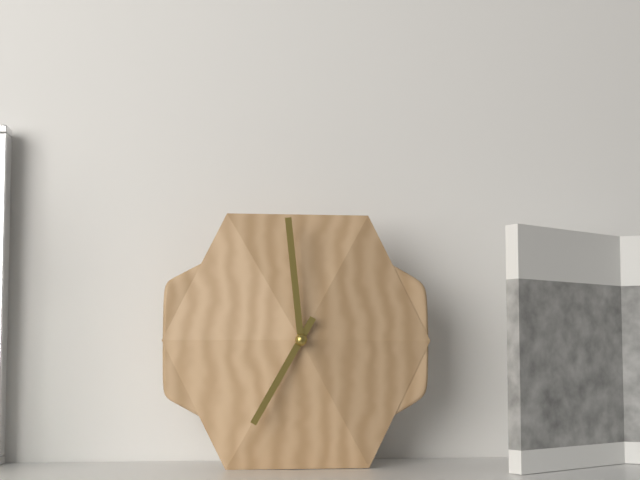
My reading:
6 h 59 min
